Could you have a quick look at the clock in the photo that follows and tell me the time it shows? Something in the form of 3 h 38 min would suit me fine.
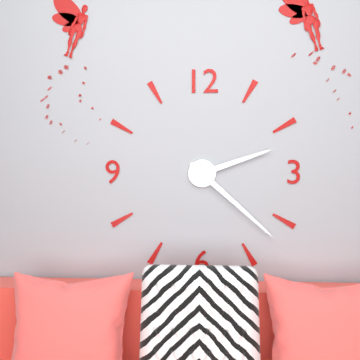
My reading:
2 h 22 min
